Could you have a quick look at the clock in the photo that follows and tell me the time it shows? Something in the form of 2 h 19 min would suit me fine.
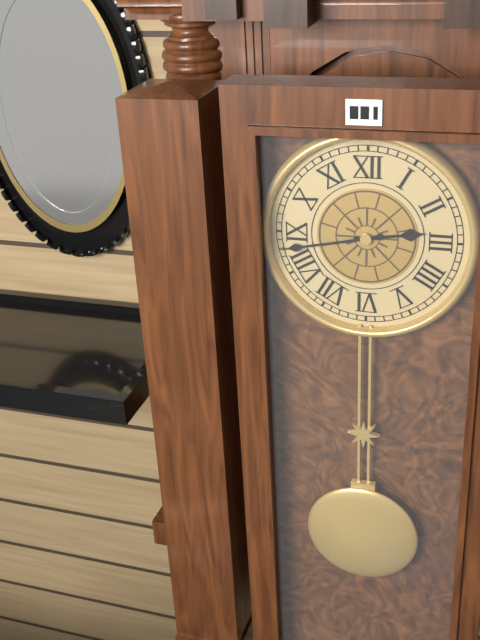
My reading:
2 h 43 min
